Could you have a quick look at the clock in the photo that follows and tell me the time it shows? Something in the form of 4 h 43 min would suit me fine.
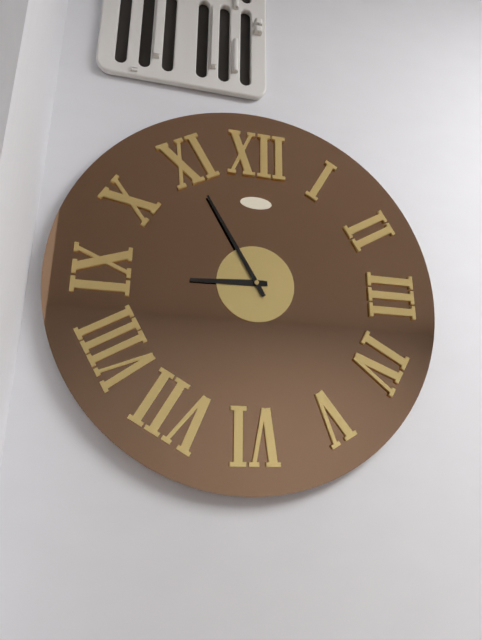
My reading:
8 h 55 min
